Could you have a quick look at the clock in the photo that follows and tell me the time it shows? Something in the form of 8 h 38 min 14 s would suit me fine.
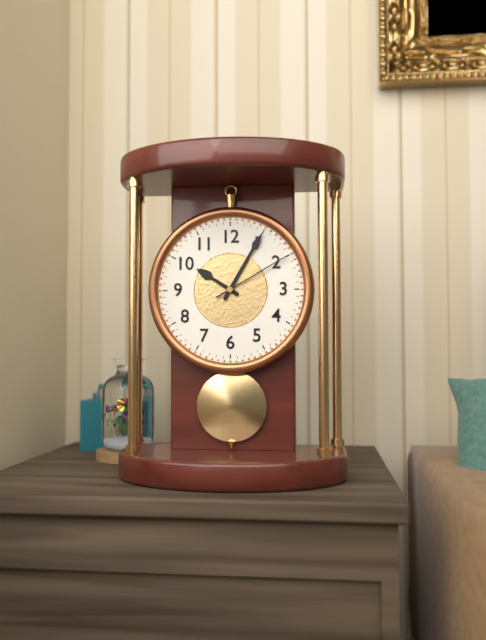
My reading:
10 h 05 min 10 s
